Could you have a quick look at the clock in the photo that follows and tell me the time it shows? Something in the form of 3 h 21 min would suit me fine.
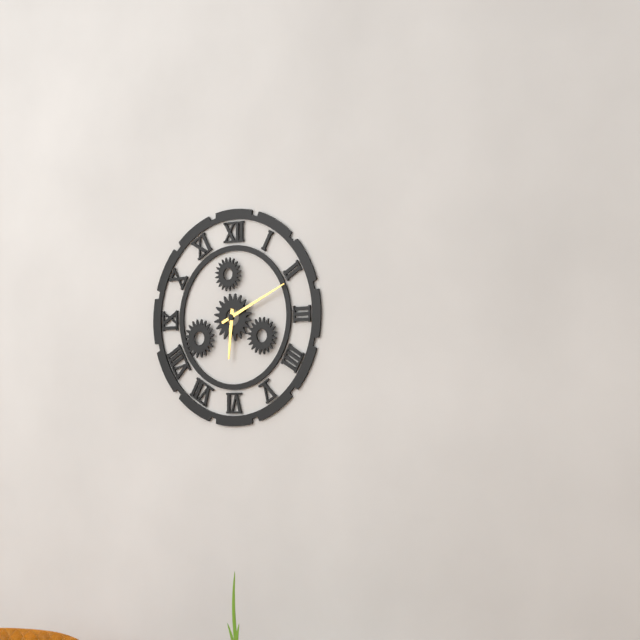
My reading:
6 h 11 min
